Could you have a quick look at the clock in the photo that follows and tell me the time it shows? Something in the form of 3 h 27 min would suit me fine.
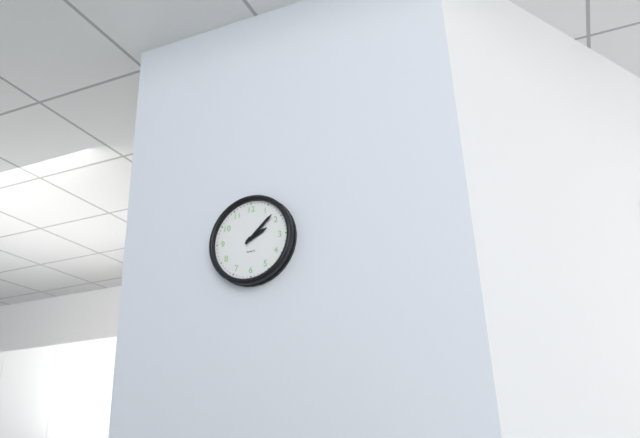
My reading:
2 h 08 min
